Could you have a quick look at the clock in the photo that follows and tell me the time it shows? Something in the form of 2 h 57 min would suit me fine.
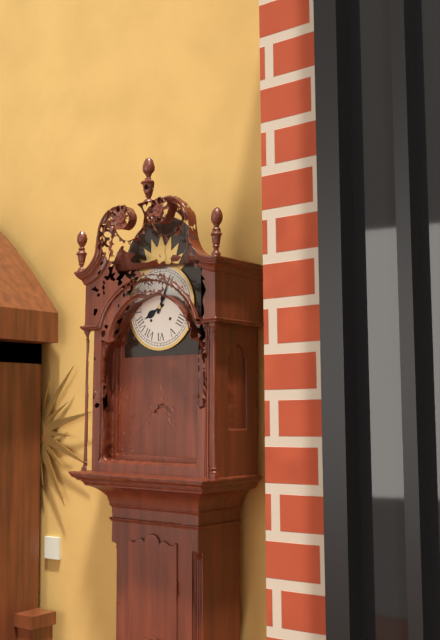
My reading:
8 h 04 min
